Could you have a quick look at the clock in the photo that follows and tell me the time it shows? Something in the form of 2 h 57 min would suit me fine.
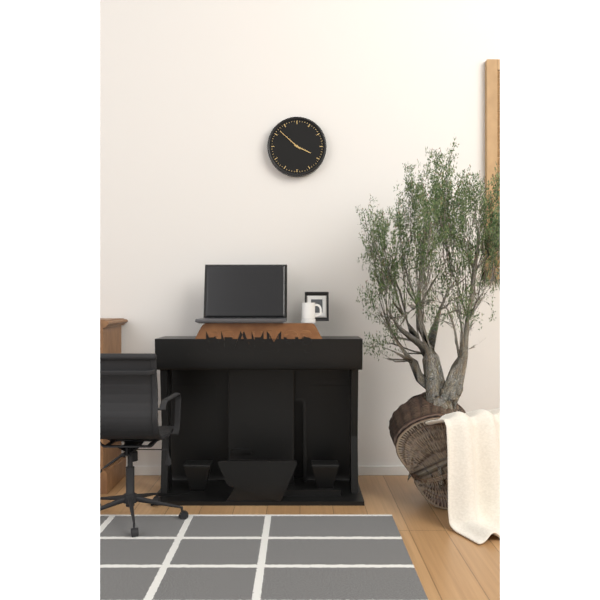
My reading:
3 h 52 min
